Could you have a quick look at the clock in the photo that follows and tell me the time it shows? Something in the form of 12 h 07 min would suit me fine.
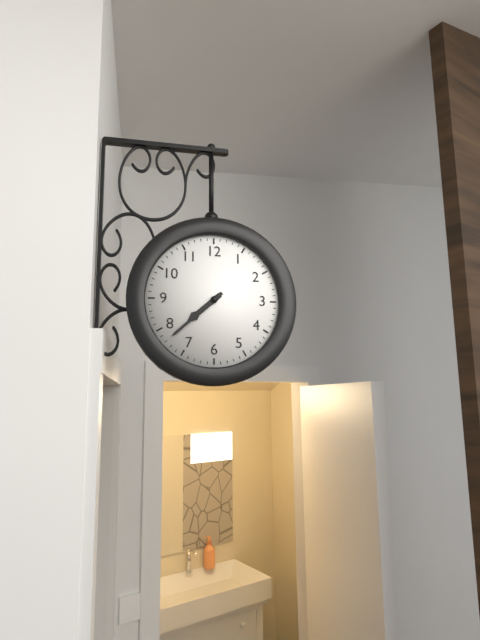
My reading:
7 h 38 min
